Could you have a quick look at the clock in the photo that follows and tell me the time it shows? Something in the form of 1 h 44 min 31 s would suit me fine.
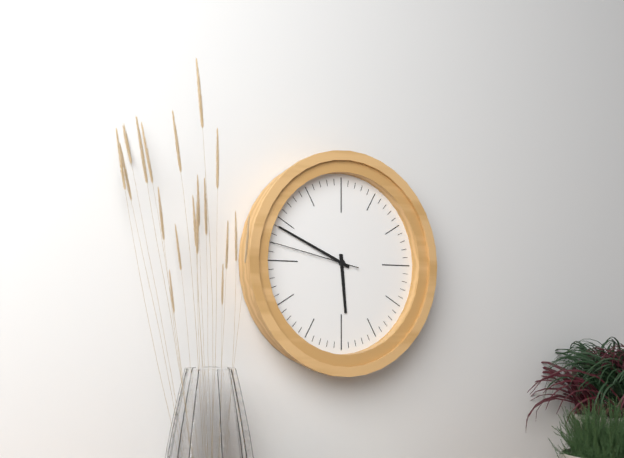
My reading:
5 h 49 min 47 s
